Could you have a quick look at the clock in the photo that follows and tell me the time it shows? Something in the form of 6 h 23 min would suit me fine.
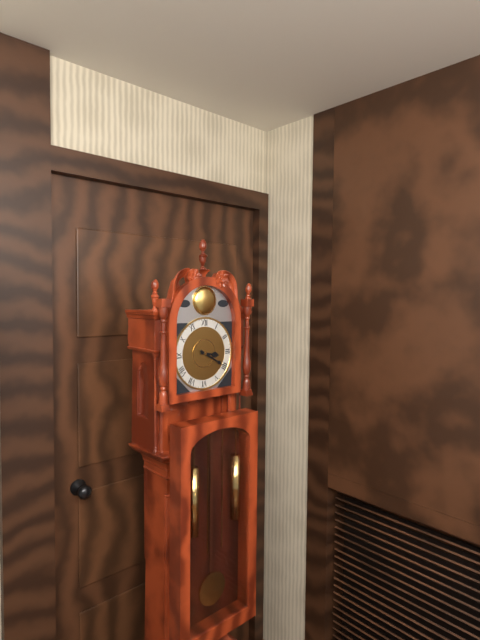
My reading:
3 h 20 min
